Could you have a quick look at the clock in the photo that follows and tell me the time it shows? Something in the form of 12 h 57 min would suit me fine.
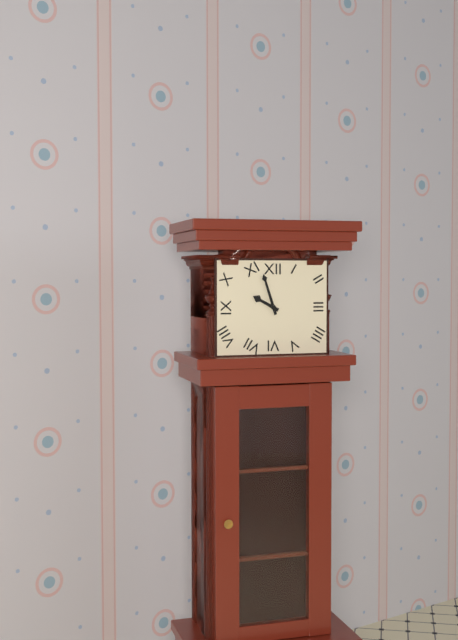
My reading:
9 h 57 min
